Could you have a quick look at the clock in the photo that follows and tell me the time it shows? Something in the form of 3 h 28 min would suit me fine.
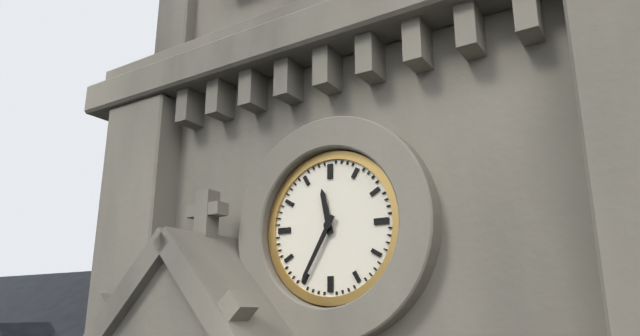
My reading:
11 h 35 min
